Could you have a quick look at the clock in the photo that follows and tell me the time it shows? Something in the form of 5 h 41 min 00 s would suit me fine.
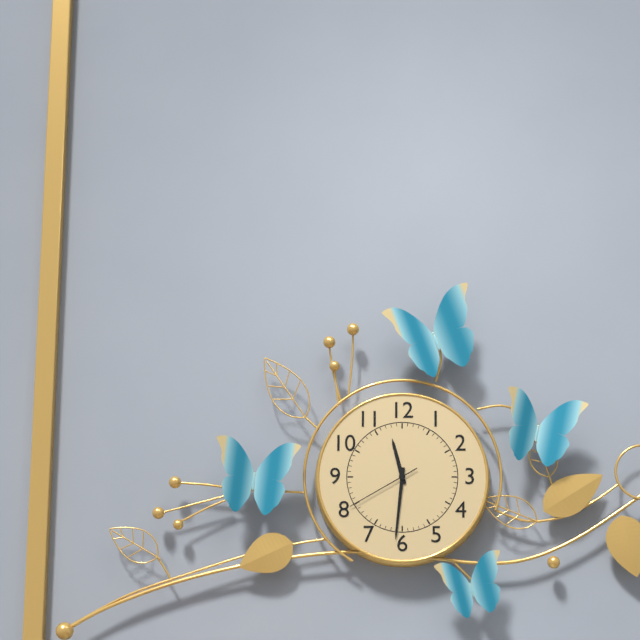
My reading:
11 h 31 min 40 s
